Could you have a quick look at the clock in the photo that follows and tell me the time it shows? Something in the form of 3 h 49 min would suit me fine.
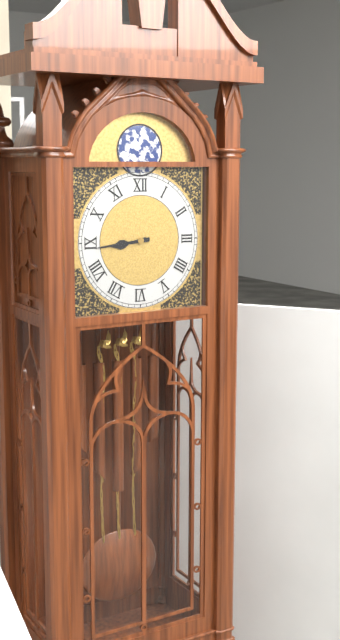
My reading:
8 h 44 min
